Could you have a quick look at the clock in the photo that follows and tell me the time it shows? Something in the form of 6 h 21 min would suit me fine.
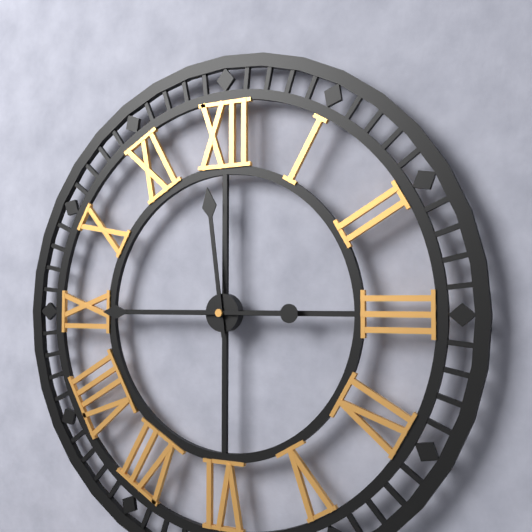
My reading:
11 h 45 min
